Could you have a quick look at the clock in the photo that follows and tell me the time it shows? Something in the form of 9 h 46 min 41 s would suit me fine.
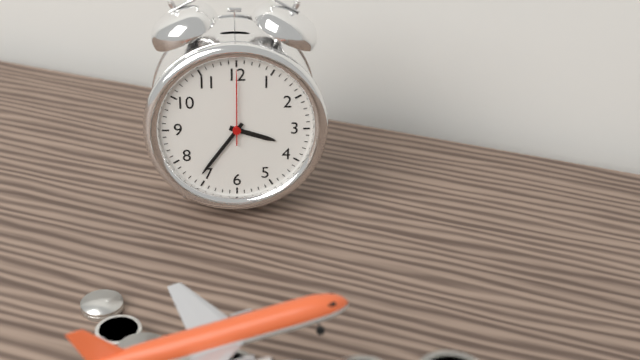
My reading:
3 h 36 min 00 s
